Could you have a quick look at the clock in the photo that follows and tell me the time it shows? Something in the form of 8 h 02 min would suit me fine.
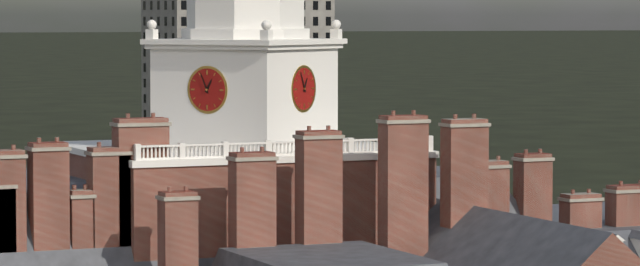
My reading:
12 h 56 min
